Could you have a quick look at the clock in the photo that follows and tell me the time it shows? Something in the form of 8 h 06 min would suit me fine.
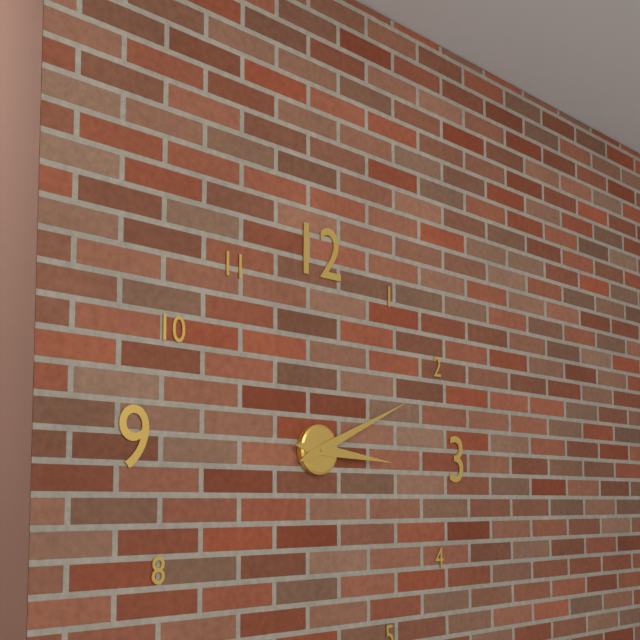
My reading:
3 h 11 min
